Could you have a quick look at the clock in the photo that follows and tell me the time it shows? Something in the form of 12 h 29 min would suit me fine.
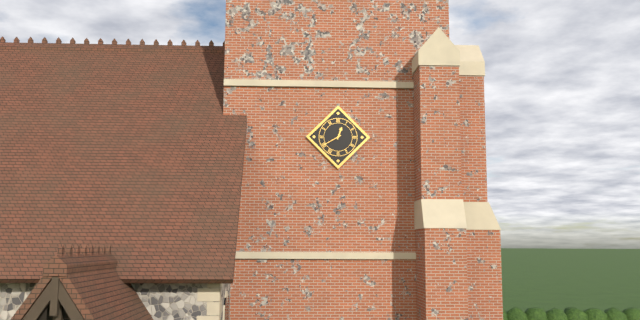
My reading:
12 h 40 min
